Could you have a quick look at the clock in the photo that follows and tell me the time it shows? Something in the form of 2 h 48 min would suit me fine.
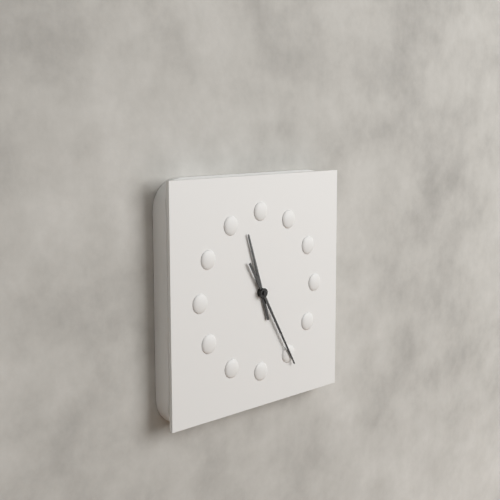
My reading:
11 h 25 min
